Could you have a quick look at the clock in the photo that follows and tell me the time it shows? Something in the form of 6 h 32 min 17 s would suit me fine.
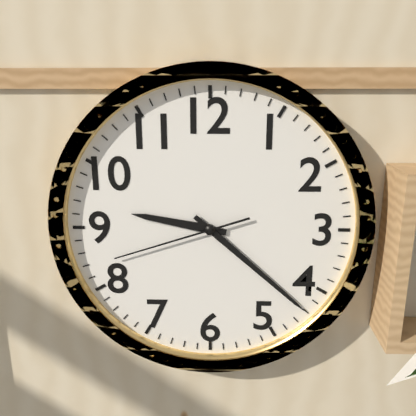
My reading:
9 h 22 min 42 s
